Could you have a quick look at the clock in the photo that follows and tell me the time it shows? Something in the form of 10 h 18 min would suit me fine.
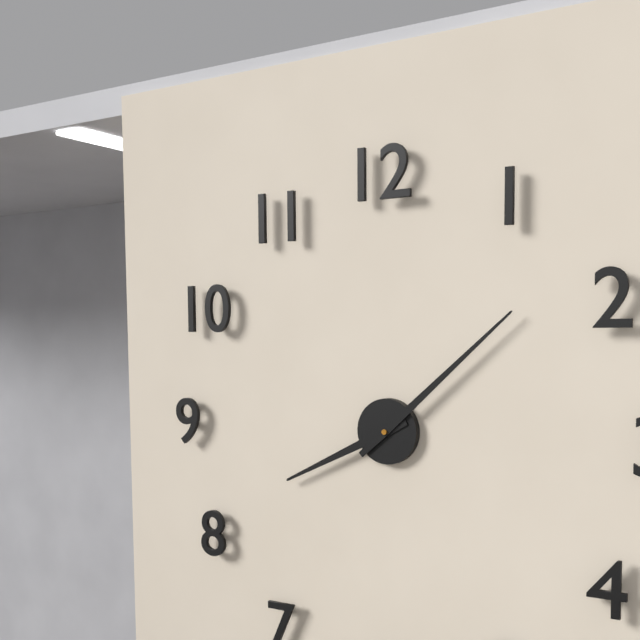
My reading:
8 h 08 min
